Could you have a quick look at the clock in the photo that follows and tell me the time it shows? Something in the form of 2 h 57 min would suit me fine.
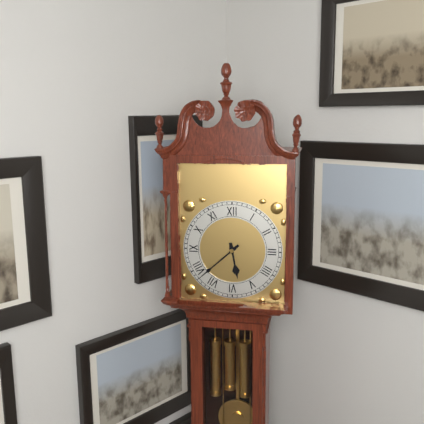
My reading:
5 h 38 min
